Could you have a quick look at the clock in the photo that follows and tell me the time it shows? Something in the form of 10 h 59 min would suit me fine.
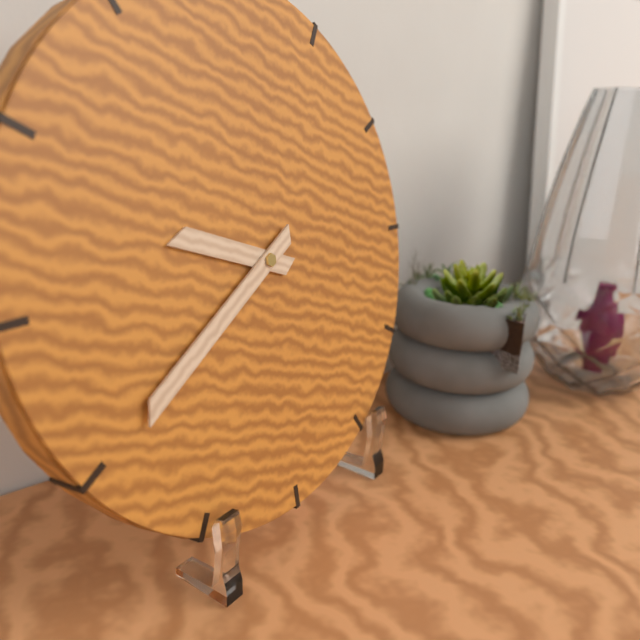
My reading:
9 h 40 min
